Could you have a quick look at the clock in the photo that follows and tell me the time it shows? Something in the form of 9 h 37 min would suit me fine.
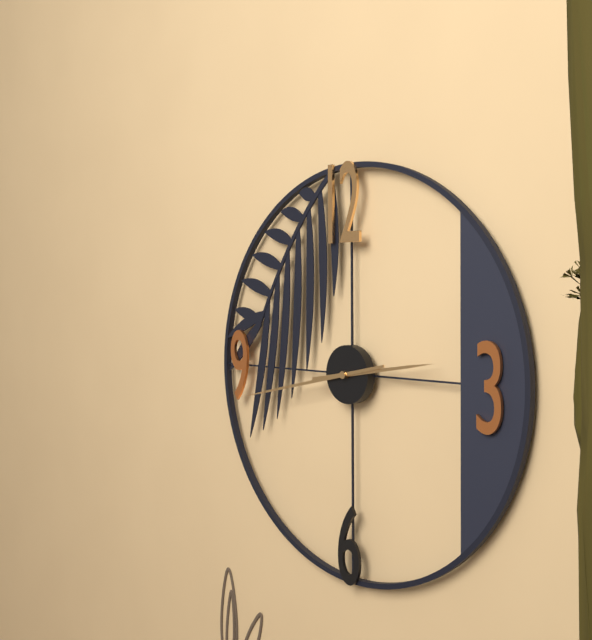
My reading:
2 h 43 min
